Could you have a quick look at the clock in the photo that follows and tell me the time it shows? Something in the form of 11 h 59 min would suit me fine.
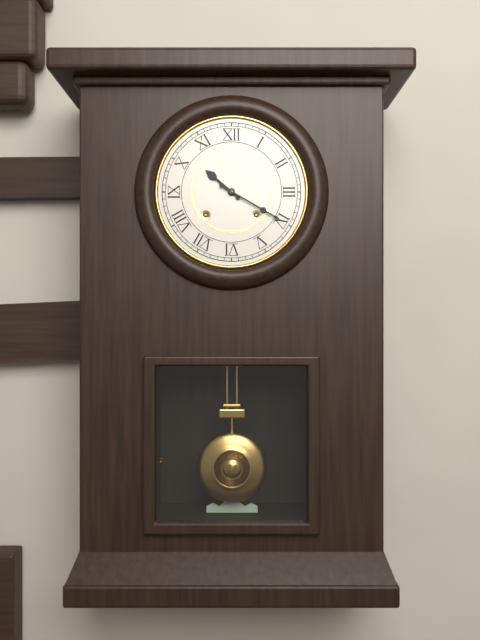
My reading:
10 h 20 min
